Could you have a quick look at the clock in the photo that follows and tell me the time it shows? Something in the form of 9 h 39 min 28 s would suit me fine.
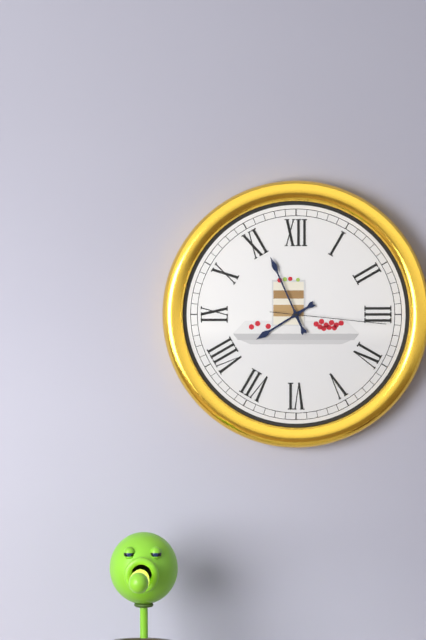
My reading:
7 h 56 min 16 s
